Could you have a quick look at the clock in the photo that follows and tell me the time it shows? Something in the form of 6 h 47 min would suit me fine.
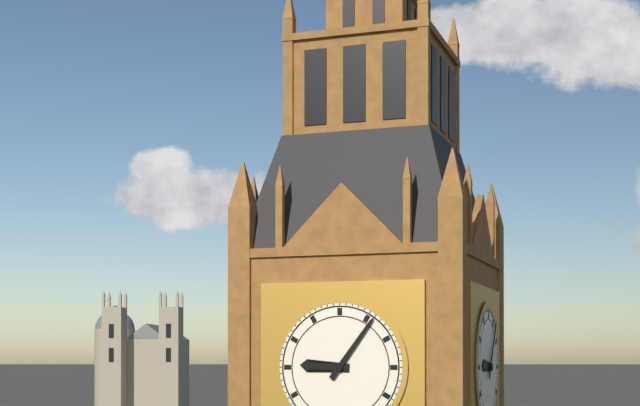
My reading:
9 h 06 min
